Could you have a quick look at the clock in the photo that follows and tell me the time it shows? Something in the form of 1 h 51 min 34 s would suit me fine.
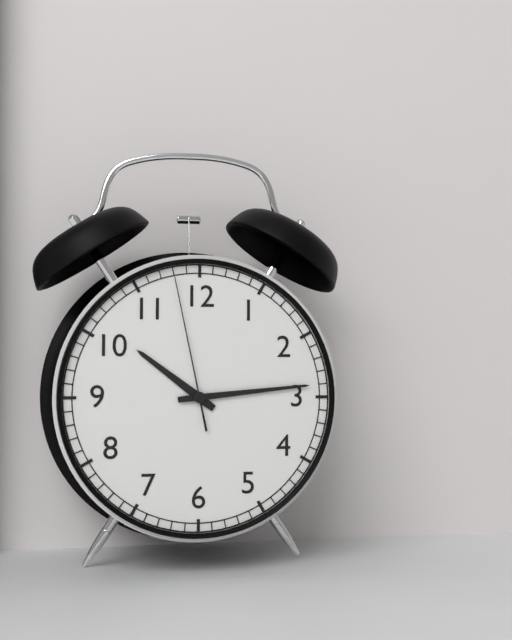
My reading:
10 h 14 min 58 s
